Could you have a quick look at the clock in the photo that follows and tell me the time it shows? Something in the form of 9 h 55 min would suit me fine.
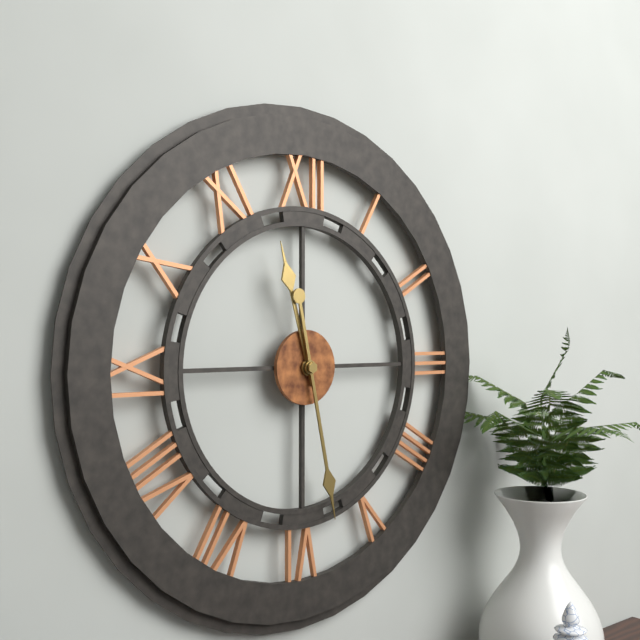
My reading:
11 h 28 min
